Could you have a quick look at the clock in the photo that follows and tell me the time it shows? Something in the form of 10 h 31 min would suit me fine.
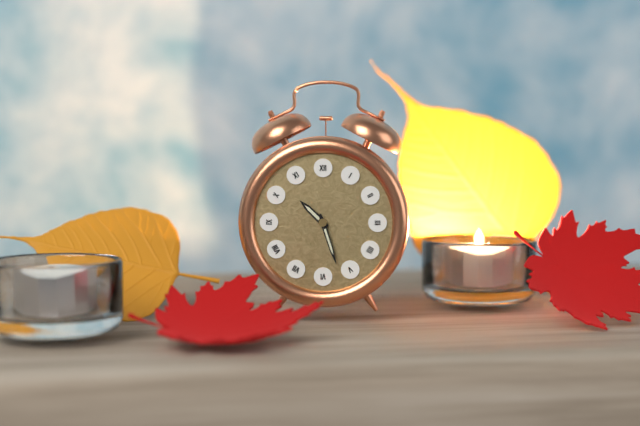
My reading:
10 h 27 min
